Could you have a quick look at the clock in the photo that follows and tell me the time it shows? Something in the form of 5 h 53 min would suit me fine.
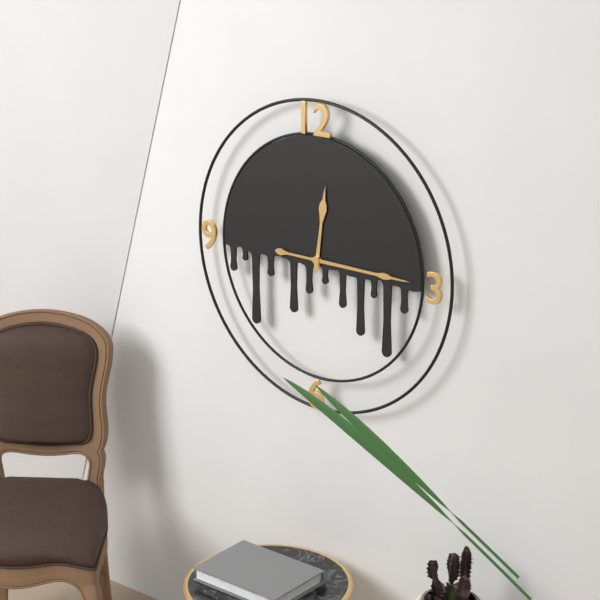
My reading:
12 h 15 min
